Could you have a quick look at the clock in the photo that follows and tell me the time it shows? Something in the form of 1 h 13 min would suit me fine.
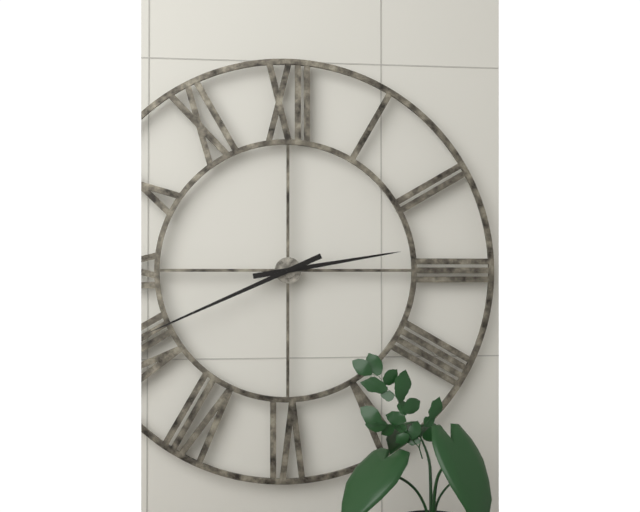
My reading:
2 h 41 min
